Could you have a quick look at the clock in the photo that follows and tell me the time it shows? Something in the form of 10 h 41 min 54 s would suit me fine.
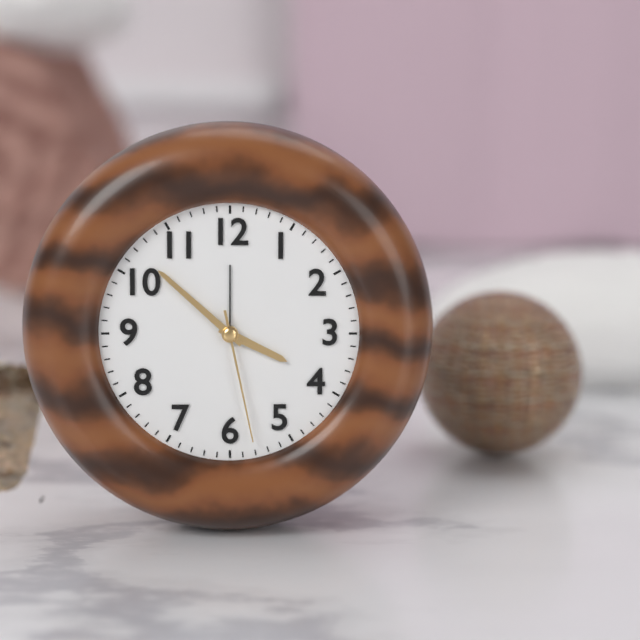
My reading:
3 h 52 min 28 s
